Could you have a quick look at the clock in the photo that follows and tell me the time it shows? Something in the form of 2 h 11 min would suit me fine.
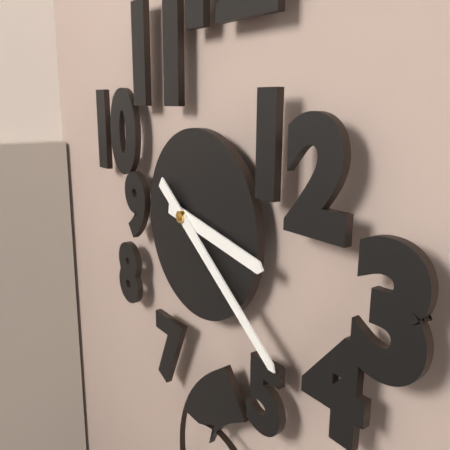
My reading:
3 h 21 min
